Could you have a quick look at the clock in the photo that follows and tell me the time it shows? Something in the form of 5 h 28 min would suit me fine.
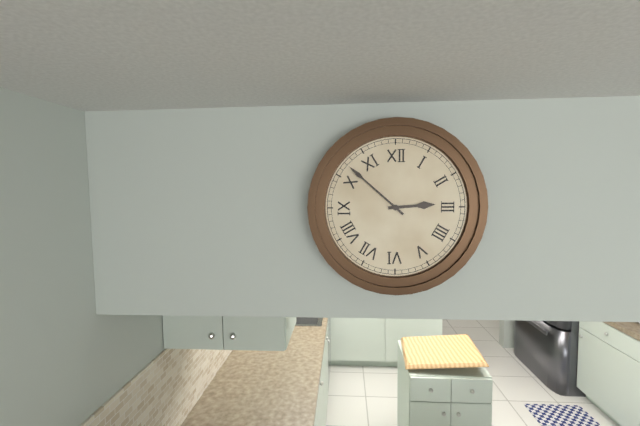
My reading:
2 h 52 min
